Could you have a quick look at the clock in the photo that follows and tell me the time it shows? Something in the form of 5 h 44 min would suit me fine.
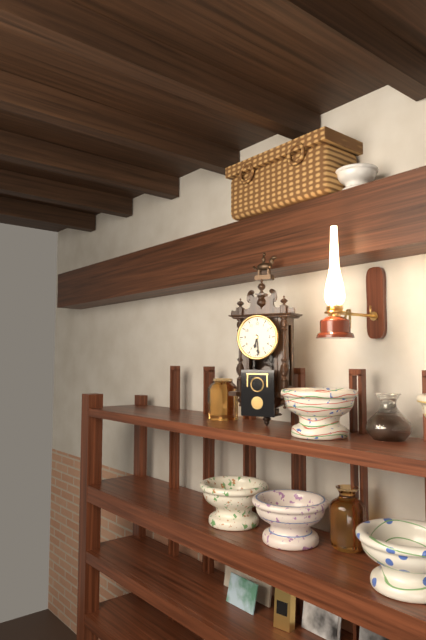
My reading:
6 h 29 min
